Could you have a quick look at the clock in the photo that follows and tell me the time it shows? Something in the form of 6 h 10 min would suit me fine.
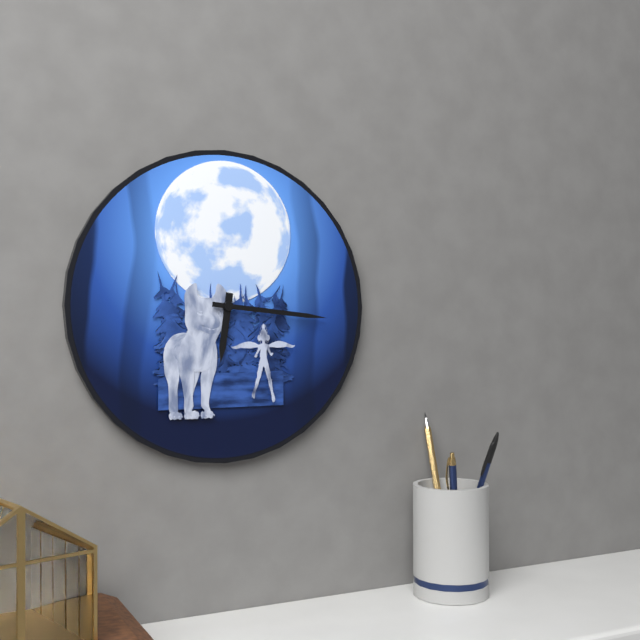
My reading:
6 h 16 min
